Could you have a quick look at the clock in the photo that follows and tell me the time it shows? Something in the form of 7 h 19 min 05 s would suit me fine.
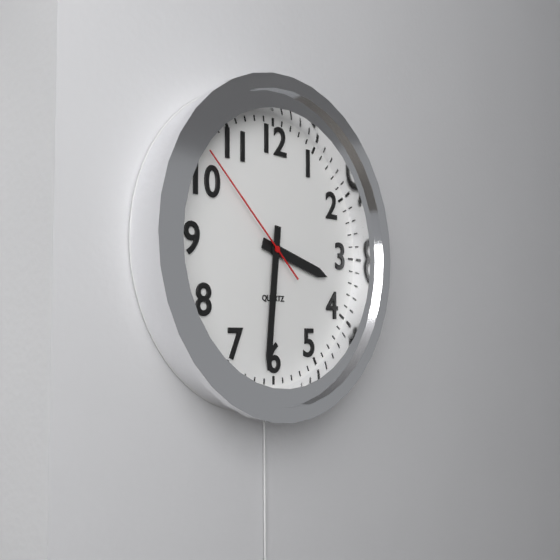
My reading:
3 h 31 min 52 s
